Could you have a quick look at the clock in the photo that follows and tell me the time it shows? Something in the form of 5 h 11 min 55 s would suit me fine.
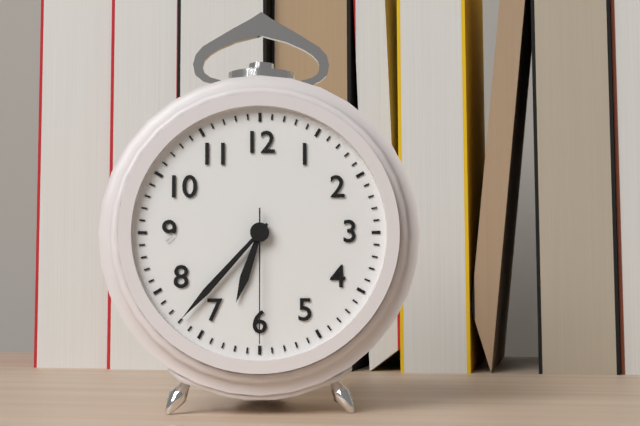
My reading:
6 h 37 min 30 s
